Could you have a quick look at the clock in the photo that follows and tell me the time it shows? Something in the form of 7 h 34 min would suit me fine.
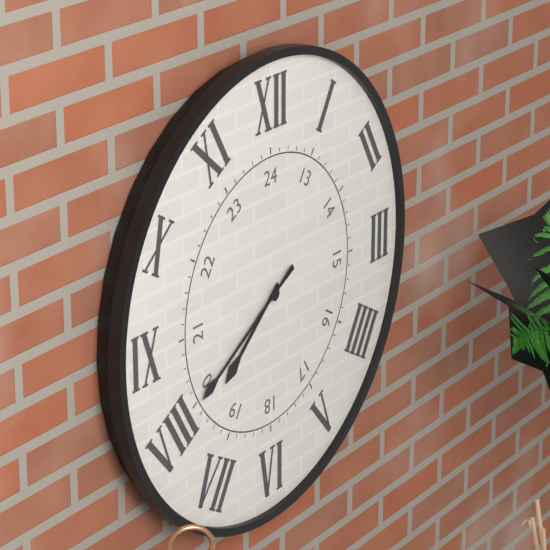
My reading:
7 h 40 min
